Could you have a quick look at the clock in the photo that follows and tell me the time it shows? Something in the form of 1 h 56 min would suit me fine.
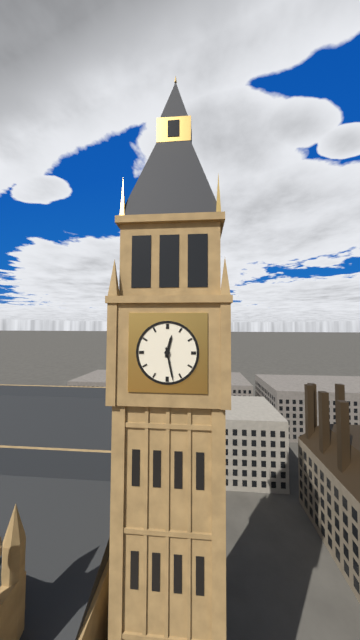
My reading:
12 h 28 min
